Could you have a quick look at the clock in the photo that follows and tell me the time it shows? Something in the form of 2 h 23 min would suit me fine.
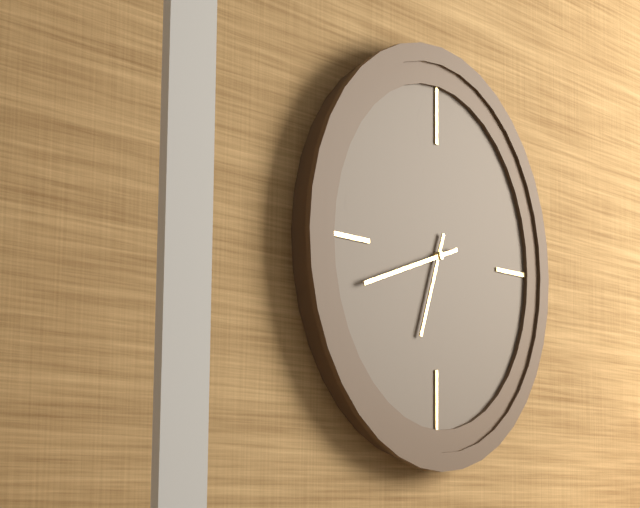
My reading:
6 h 42 min
